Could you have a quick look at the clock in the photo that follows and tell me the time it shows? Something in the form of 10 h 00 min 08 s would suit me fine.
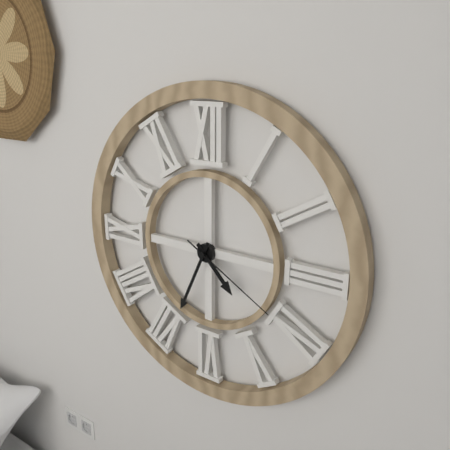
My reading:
4 h 34 min 20 s
